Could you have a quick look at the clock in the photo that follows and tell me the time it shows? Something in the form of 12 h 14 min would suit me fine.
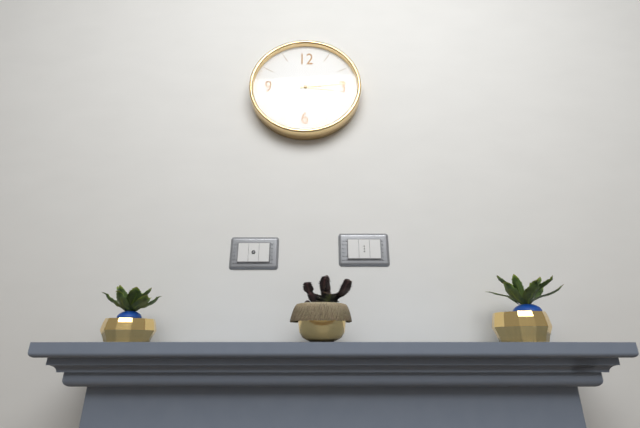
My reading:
3 h 14 min
